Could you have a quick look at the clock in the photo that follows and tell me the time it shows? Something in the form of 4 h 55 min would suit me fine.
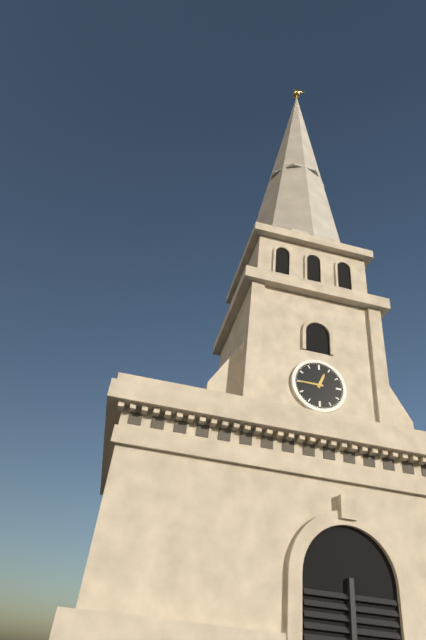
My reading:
12 h 45 min
